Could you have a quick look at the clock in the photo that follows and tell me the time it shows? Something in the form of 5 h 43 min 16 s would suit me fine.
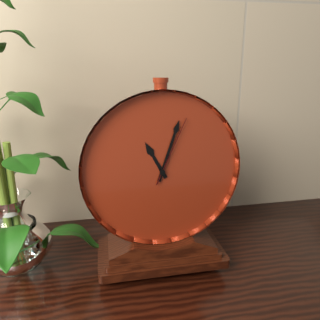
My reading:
11 h 03 min 04 s
